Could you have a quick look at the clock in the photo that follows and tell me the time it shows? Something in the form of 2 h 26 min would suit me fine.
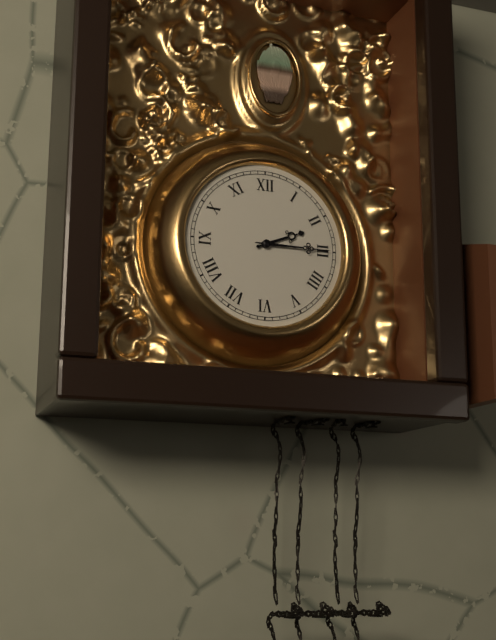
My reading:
2 h 15 min
